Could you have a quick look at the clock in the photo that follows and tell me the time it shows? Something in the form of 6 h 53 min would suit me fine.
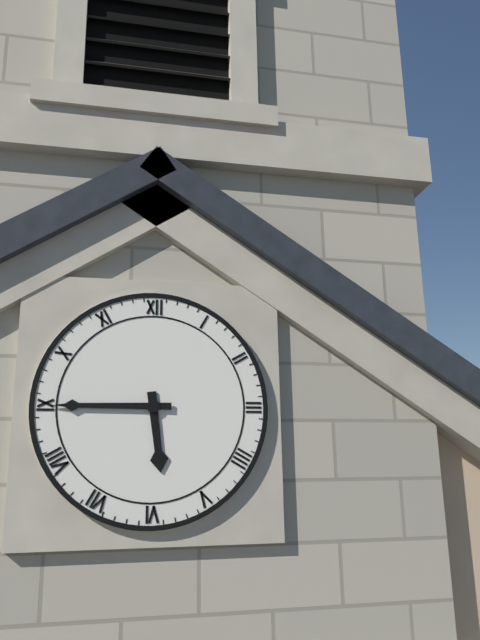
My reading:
5 h 45 min
